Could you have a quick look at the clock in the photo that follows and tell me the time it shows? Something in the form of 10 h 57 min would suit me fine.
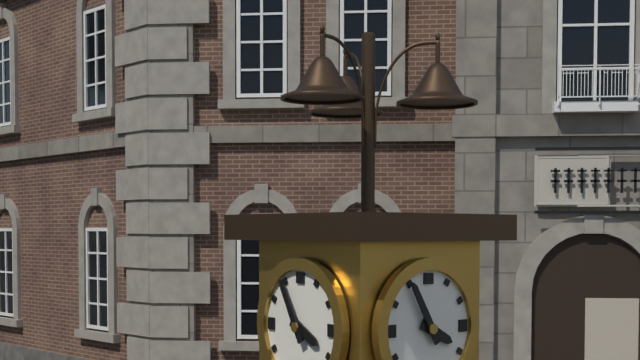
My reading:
3 h 55 min
